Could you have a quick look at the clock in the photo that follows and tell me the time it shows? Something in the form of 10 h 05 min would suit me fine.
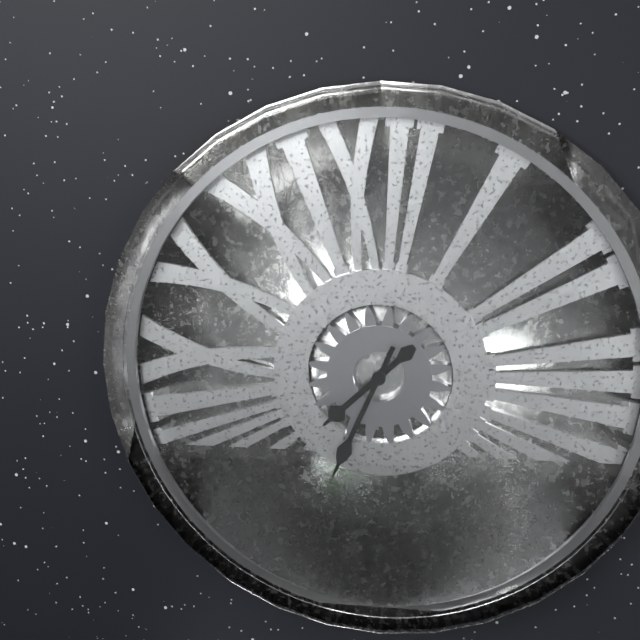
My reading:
7 h 34 min
